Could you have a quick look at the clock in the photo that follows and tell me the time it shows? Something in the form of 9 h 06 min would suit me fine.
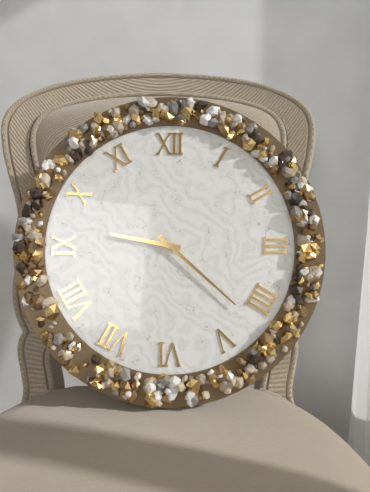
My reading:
9 h 22 min
